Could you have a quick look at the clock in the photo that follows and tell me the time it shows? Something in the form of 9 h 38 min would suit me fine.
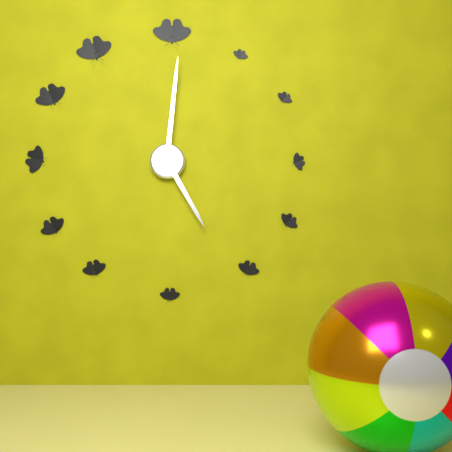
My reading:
5 h 01 min
